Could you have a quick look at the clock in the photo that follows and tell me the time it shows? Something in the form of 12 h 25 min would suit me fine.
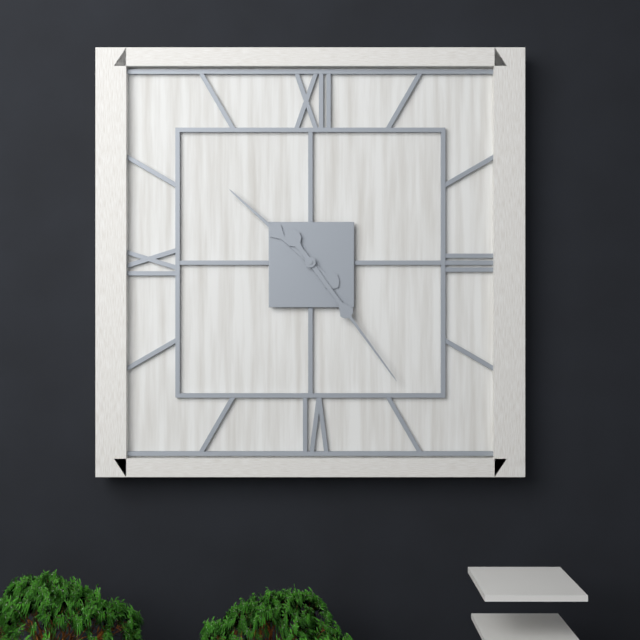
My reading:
10 h 24 min
